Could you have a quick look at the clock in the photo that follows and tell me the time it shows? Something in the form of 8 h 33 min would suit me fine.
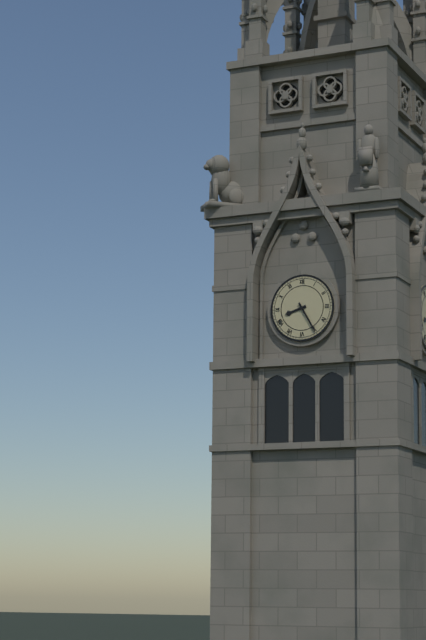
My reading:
8 h 25 min
